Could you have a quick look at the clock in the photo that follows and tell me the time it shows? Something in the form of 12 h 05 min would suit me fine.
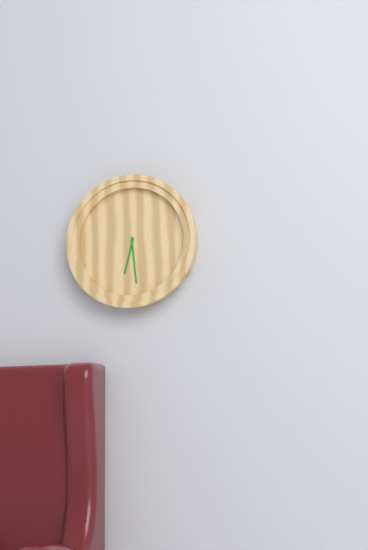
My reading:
6 h 29 min
